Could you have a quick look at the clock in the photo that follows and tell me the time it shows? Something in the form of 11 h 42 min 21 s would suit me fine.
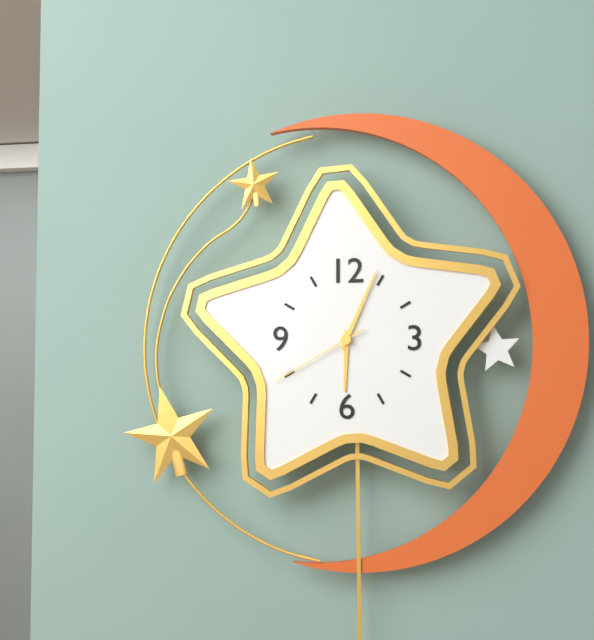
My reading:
6 h 04 min 40 s
